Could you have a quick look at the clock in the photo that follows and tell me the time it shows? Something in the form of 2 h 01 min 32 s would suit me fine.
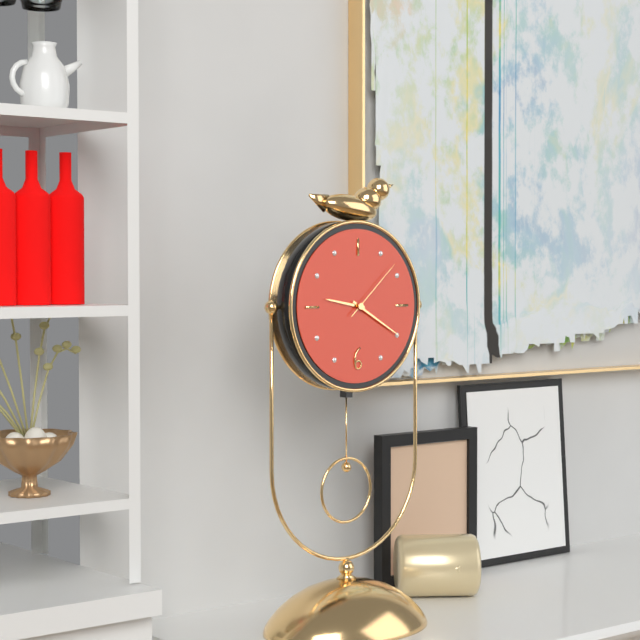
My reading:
9 h 20 min 08 s
